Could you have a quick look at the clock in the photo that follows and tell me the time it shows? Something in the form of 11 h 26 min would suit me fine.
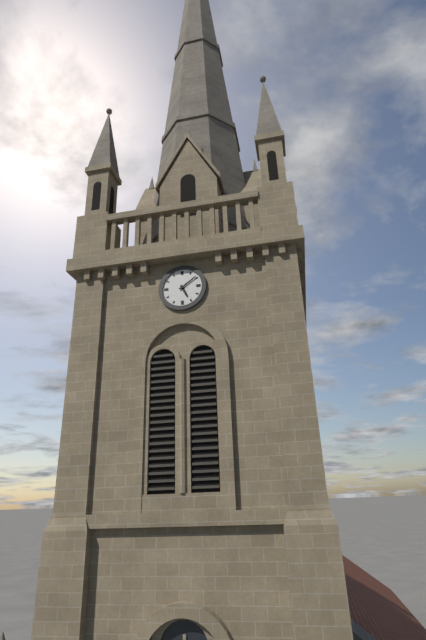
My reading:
5 h 09 min
